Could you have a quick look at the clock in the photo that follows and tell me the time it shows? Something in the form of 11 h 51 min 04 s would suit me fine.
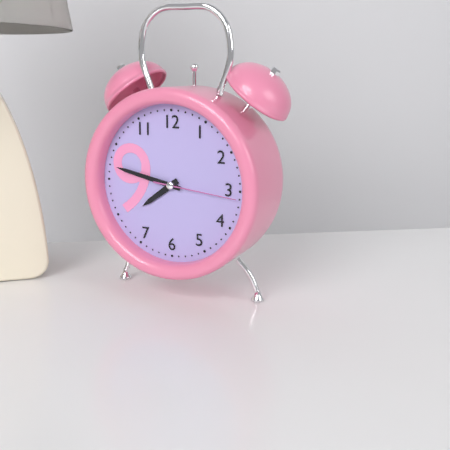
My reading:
7 h 47 min 16 s
